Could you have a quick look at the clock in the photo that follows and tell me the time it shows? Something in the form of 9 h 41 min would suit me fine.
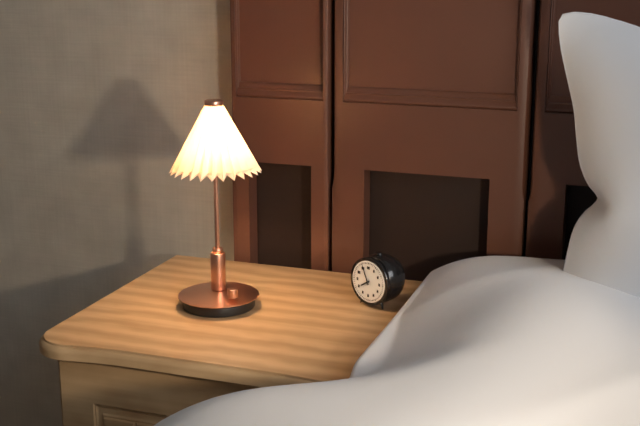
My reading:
7 h 56 min
